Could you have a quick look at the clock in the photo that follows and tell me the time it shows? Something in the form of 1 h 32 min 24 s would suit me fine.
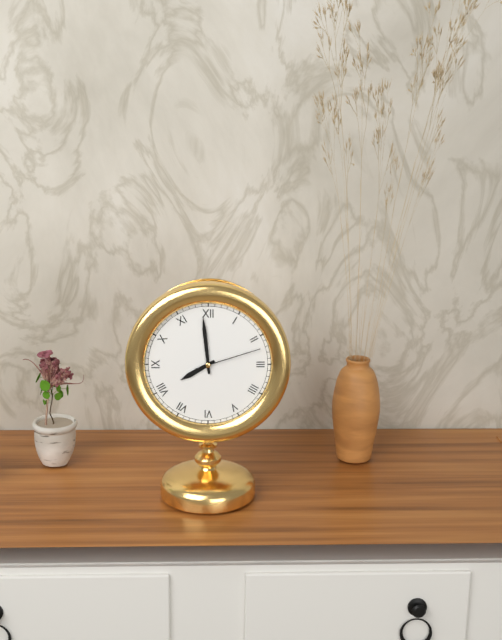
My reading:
7 h 59 min 12 s
